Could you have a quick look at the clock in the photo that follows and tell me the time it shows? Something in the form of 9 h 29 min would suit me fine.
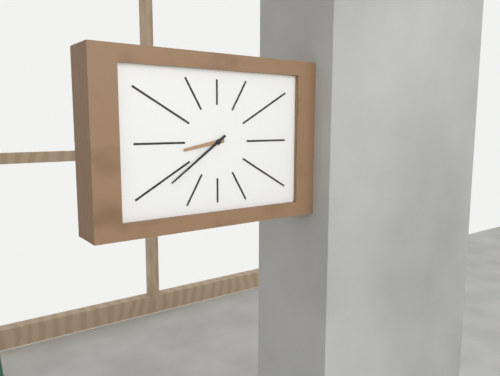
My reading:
8 h 39 min
